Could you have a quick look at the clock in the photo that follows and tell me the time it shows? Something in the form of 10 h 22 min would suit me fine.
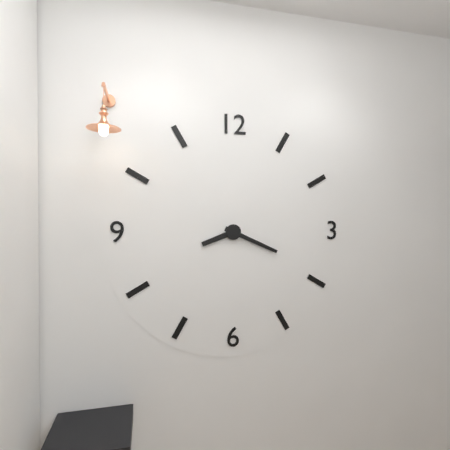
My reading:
8 h 19 min
